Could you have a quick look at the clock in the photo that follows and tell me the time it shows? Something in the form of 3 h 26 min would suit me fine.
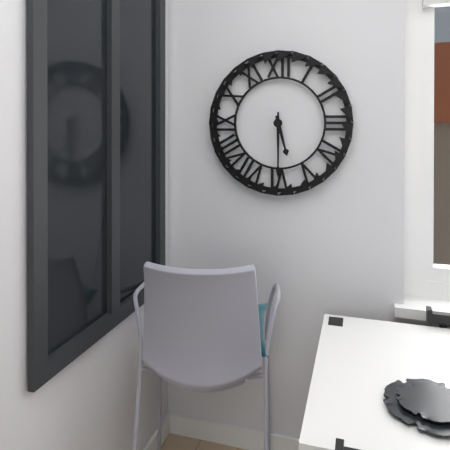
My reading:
5 h 30 min
